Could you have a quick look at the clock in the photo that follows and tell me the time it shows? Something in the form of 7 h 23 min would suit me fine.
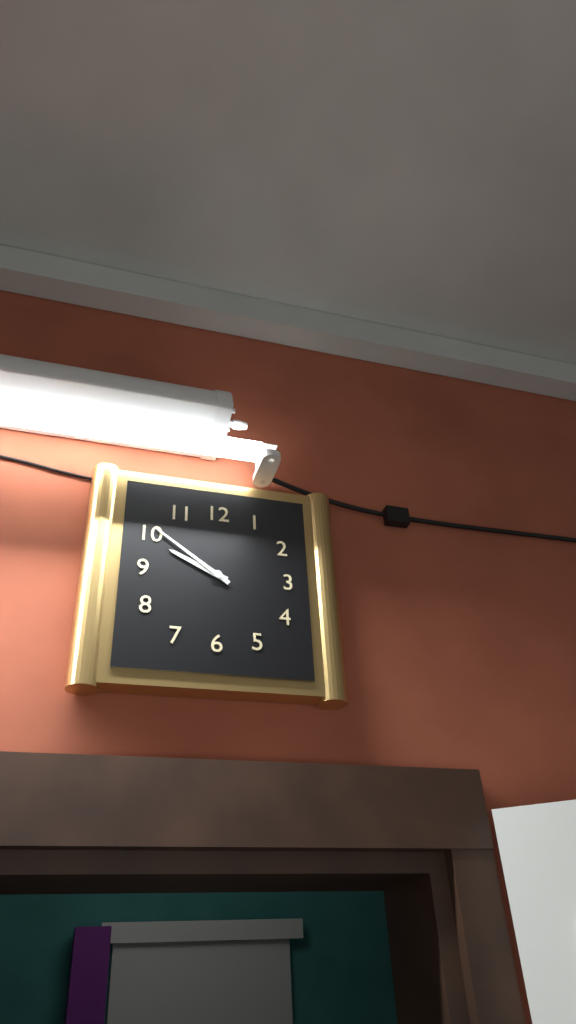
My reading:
9 h 51 min
